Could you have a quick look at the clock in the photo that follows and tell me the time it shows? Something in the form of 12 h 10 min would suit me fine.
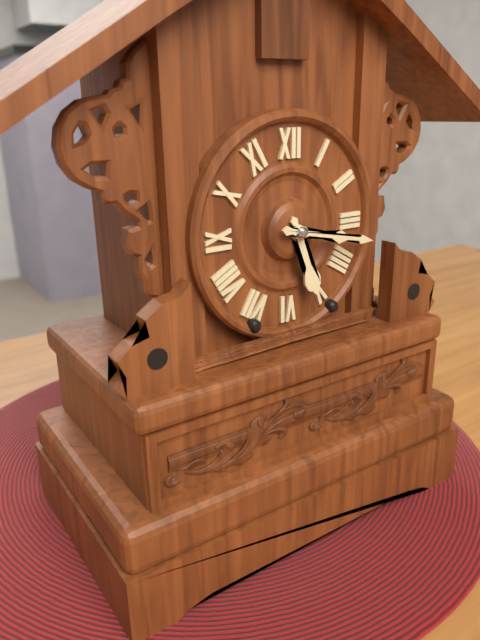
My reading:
5 h 17 min
